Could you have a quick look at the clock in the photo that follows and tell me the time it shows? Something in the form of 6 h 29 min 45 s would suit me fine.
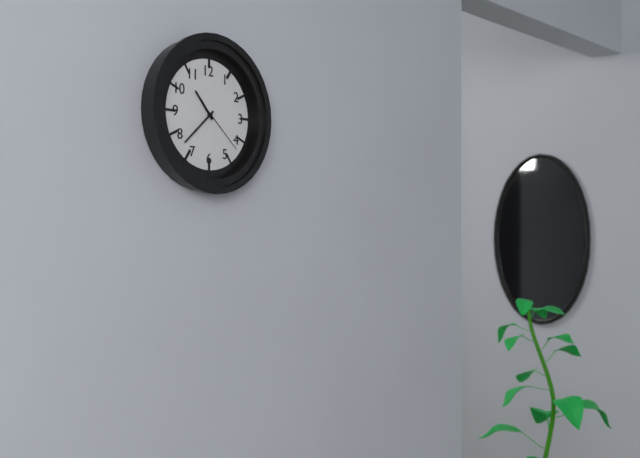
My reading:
10 h 38 min 22 s
